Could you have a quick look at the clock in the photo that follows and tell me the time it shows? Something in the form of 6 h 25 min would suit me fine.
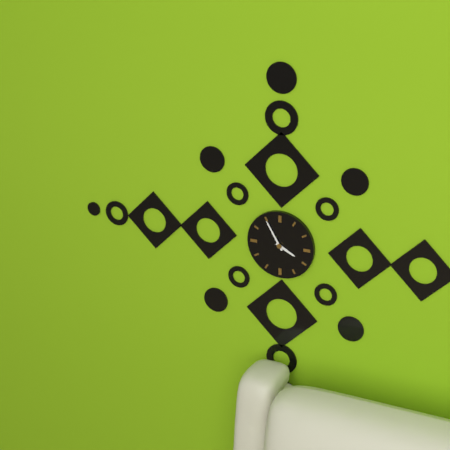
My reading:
3 h 55 min
